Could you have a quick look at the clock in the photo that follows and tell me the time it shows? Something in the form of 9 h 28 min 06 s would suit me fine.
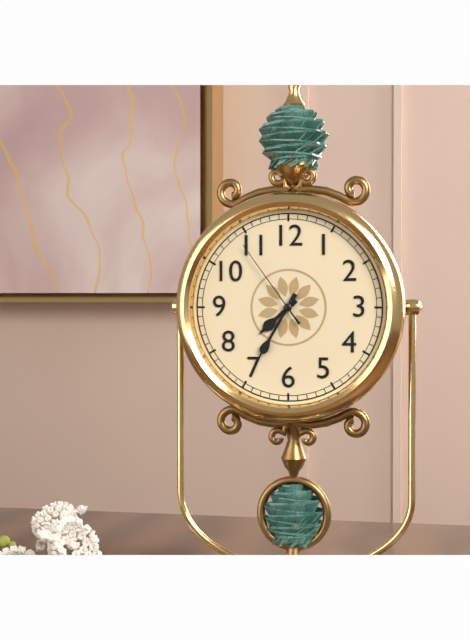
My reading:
7 h 35 min 54 s
